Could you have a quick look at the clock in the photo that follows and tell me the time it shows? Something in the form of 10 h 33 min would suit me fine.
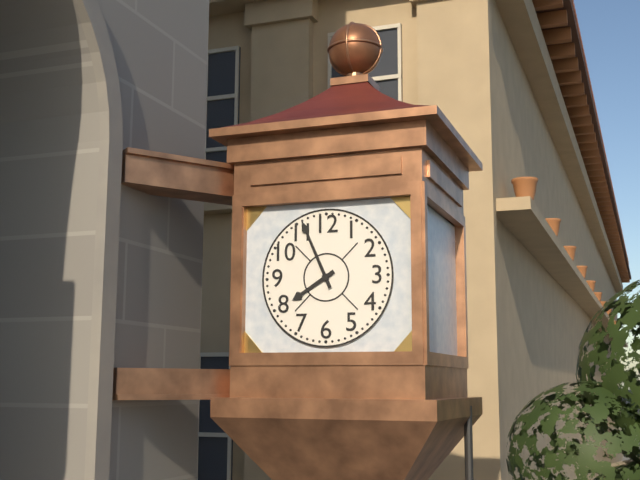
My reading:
7 h 56 min
